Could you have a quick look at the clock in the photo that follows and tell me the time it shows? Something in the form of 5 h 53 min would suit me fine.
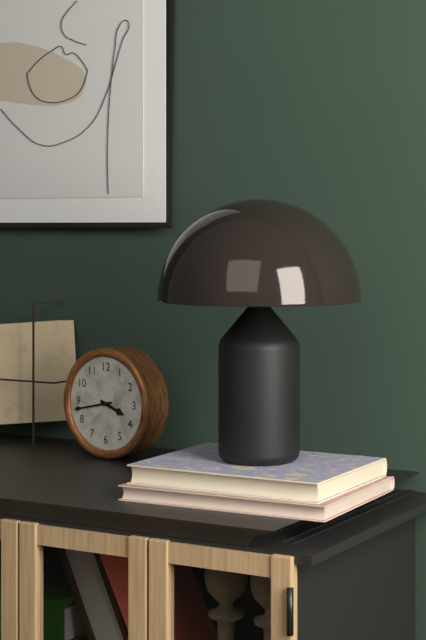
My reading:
3 h 43 min
